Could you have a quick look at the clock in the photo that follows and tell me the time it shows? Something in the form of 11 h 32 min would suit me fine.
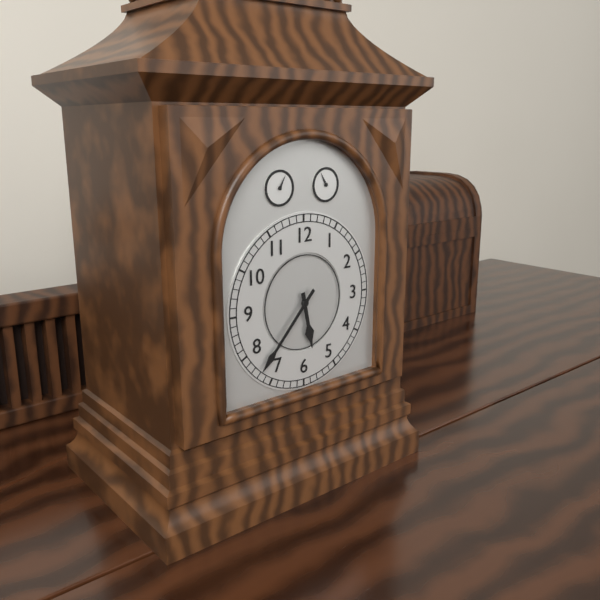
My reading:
5 h 37 min
